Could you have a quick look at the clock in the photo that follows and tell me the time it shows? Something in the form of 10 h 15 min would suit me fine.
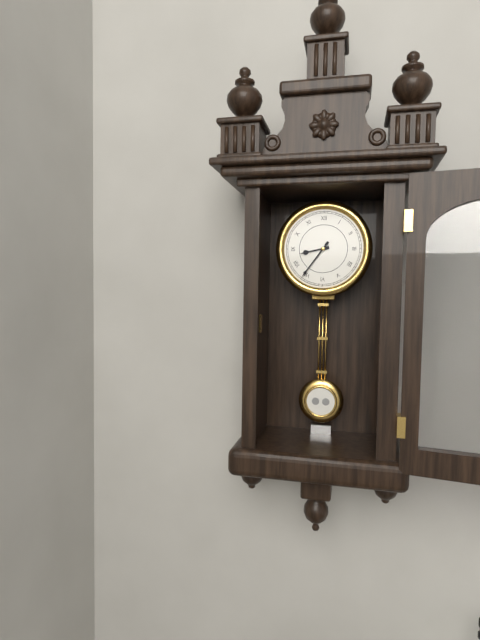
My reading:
8 h 36 min
